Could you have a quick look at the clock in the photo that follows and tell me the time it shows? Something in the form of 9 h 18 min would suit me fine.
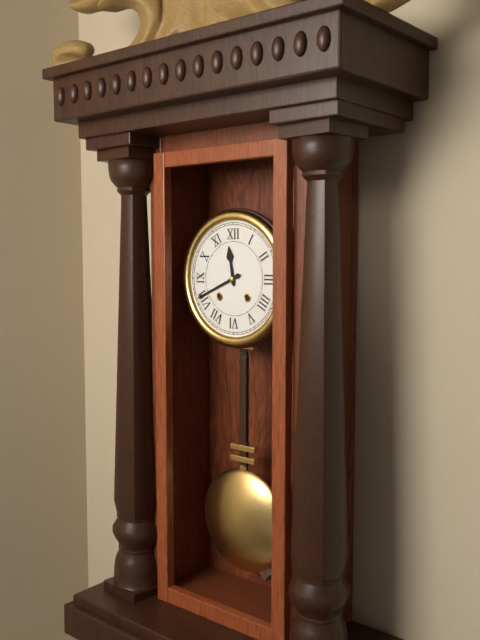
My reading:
11 h 41 min
